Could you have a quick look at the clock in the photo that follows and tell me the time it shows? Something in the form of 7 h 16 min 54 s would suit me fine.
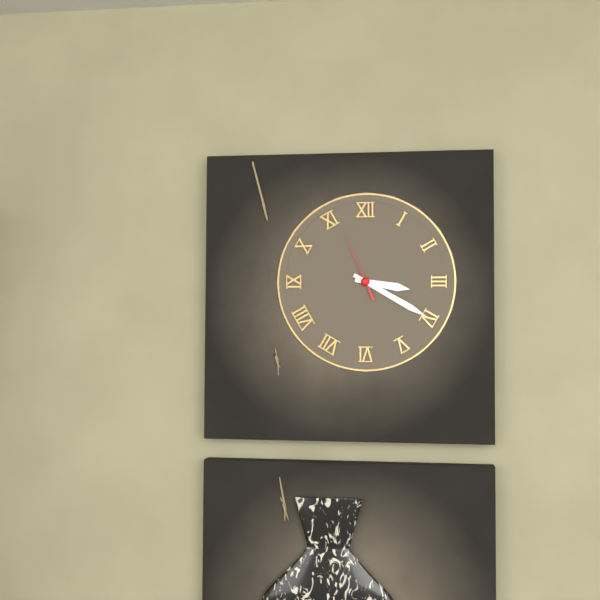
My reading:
3 h 20 min 56 s
